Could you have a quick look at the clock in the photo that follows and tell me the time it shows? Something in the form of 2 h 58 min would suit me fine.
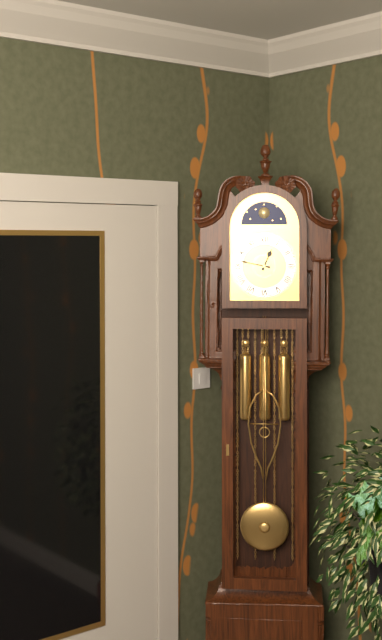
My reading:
12 h 47 min
